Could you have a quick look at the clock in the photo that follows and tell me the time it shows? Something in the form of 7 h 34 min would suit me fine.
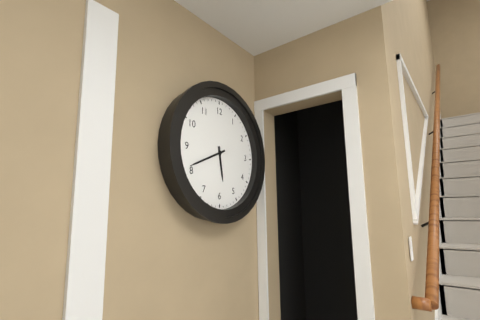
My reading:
5 h 41 min
